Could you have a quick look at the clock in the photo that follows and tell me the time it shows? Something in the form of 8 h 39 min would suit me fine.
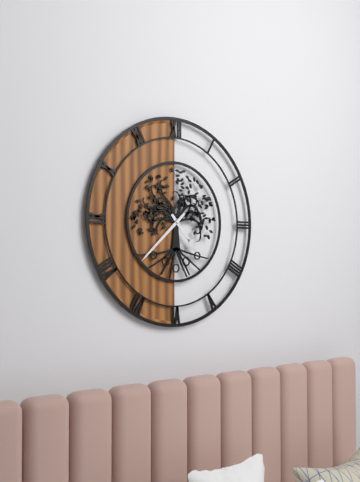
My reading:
4 h 38 min
